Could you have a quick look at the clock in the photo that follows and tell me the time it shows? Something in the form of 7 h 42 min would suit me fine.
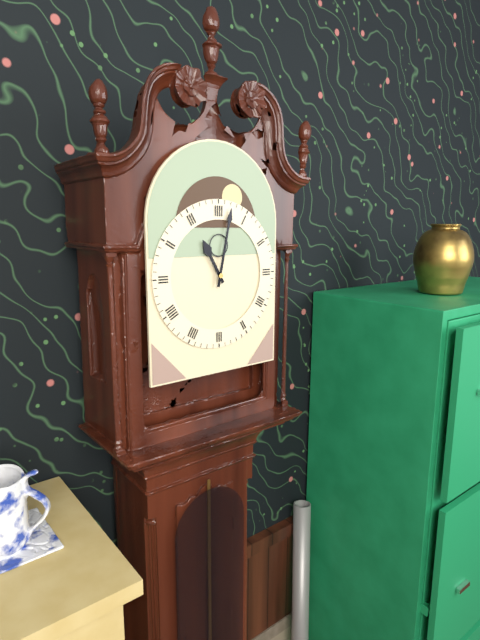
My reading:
11 h 02 min
